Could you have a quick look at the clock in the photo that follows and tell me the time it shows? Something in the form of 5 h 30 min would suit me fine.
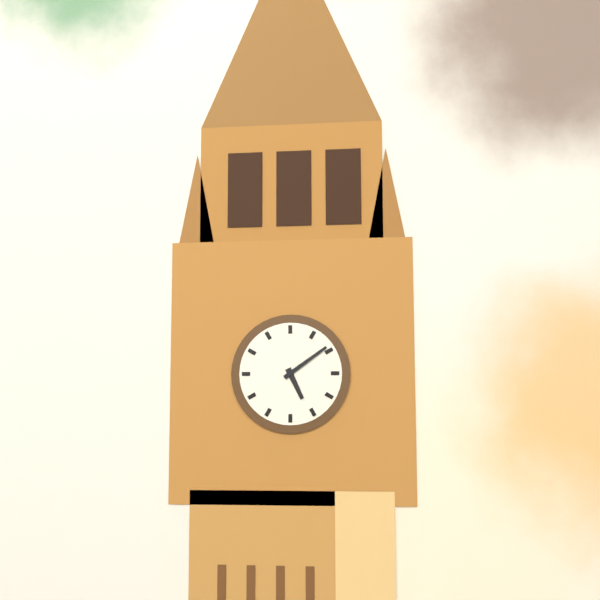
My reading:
5 h 09 min
